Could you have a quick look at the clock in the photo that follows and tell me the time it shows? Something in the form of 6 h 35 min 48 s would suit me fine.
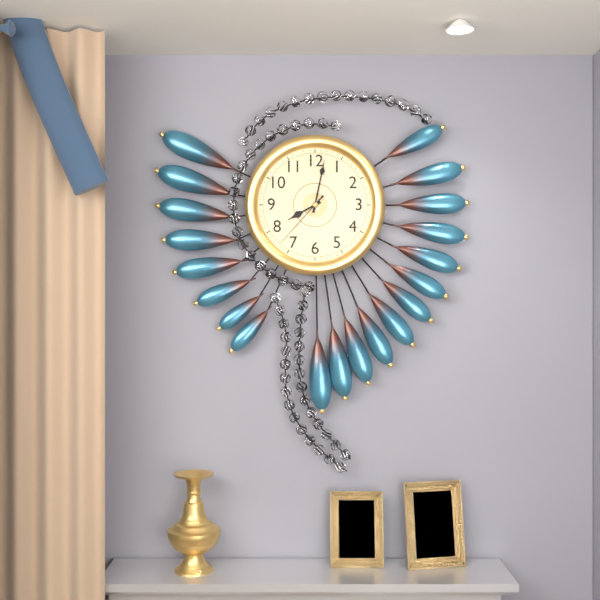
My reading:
8 h 02 min 37 s
